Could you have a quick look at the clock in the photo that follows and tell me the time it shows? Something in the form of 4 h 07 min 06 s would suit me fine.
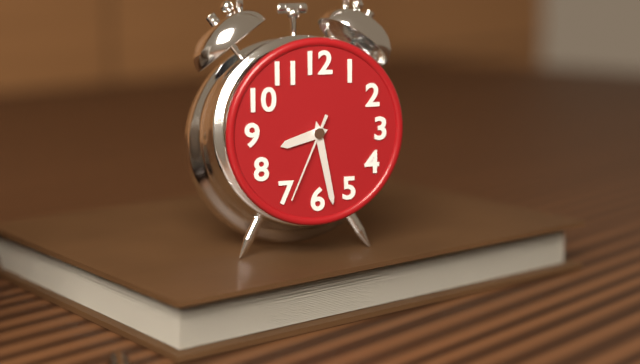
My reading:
8 h 28 min 34 s
